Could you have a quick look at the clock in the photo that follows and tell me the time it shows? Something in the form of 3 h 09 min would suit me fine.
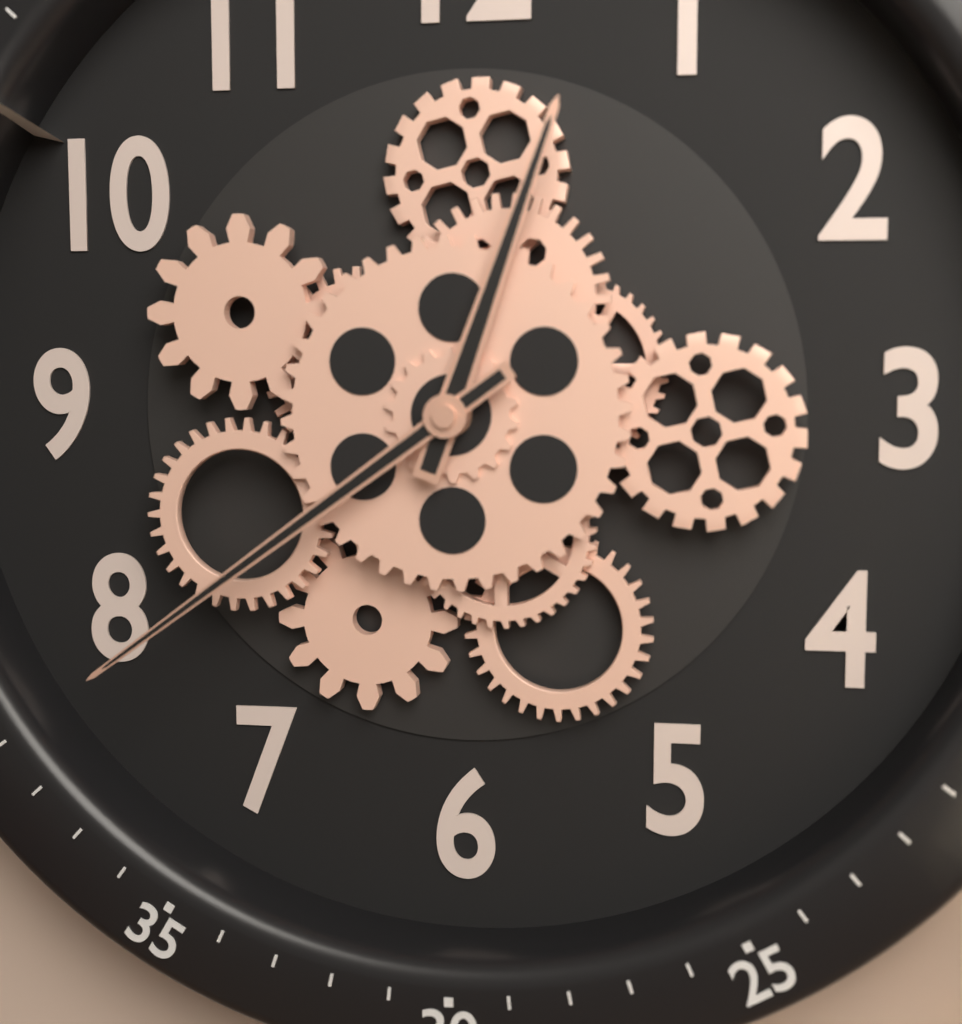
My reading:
12 h 39 min
